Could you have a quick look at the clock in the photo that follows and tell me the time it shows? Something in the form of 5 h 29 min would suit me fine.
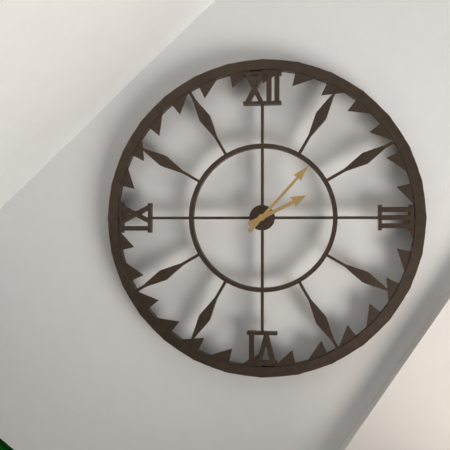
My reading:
2 h 07 min
